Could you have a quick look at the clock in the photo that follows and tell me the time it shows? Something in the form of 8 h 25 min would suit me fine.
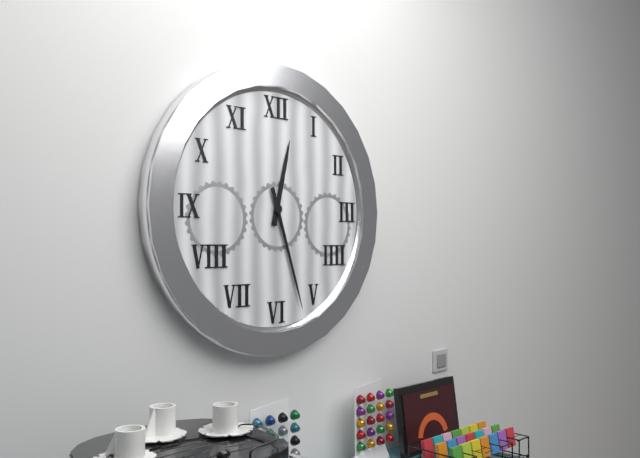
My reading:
12 h 27 min
